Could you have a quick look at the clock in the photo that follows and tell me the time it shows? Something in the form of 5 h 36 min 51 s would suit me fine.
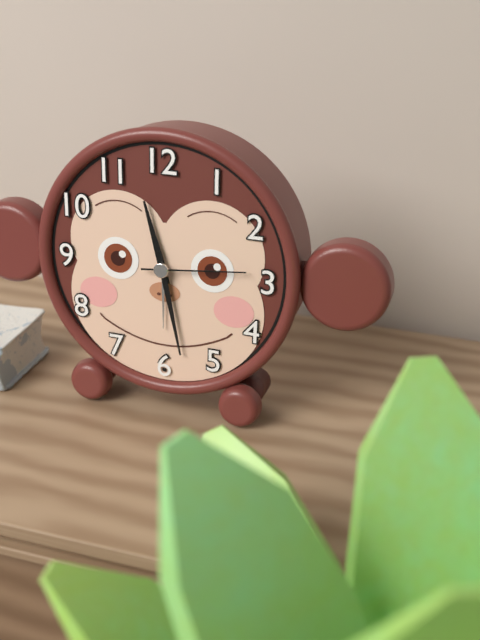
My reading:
11 h 28 min 14 s
